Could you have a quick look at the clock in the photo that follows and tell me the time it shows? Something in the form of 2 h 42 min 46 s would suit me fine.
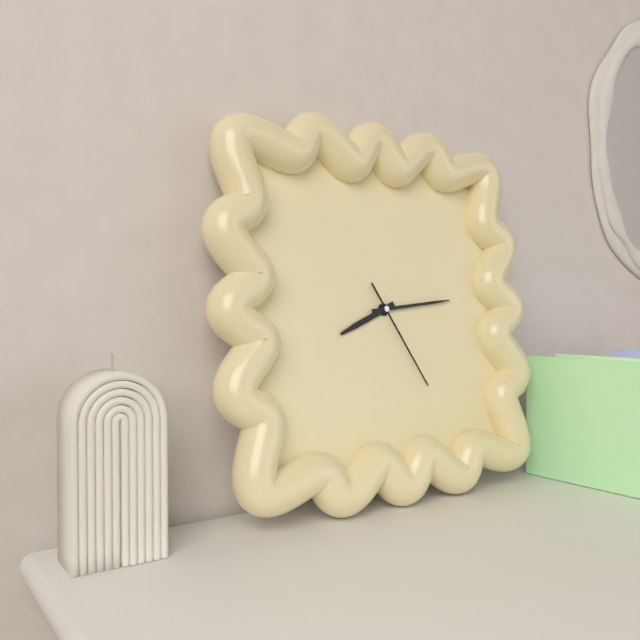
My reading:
8 h 14 min 25 s
